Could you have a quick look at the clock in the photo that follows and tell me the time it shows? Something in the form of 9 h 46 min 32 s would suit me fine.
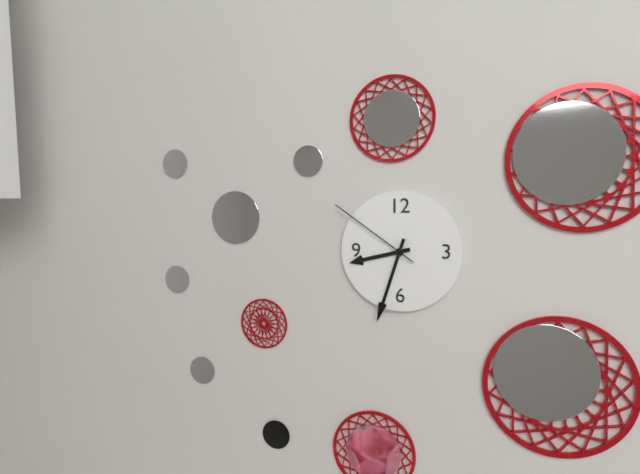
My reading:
8 h 33 min 51 s
